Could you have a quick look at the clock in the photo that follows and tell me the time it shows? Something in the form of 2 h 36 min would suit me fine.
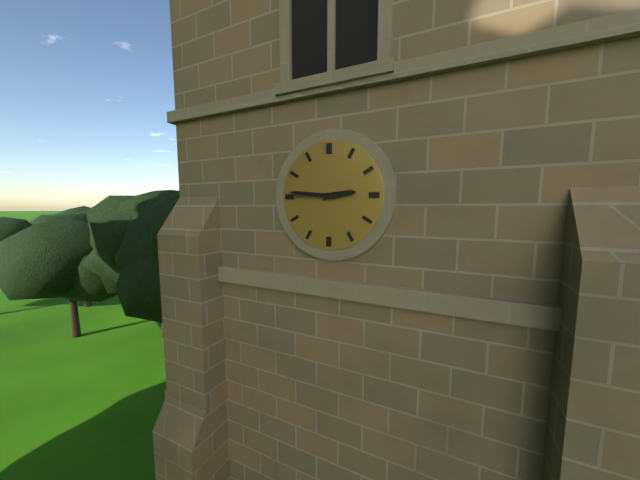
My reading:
2 h 46 min
